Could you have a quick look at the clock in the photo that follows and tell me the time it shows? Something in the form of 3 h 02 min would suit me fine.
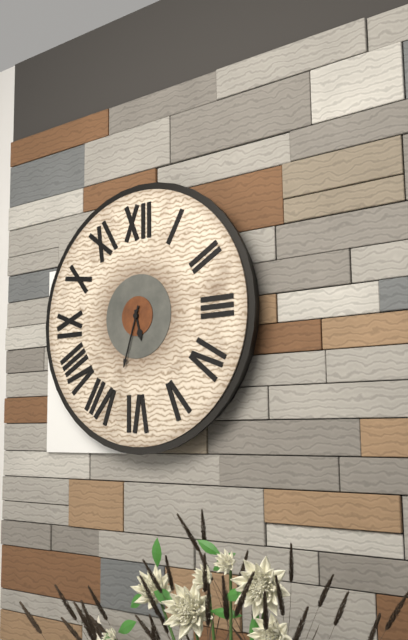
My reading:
5 h 33 min
